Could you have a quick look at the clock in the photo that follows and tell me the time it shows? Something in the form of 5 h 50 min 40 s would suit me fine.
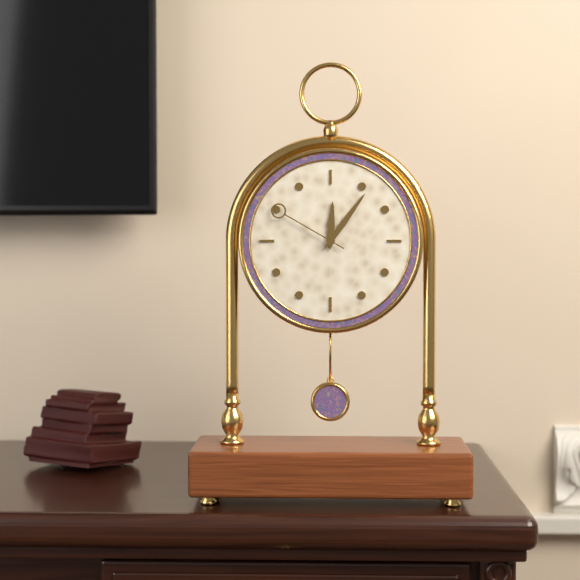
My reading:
12 h 06 min 50 s
